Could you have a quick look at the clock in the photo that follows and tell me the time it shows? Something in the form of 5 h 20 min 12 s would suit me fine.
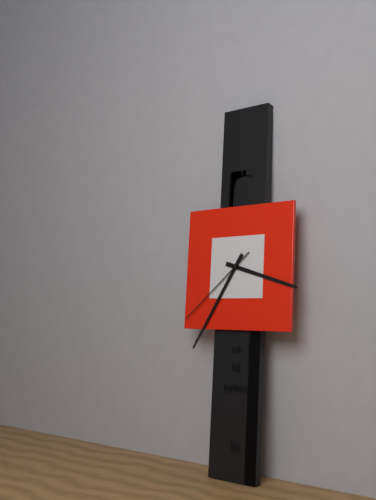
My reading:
3 h 35 min 38 s
